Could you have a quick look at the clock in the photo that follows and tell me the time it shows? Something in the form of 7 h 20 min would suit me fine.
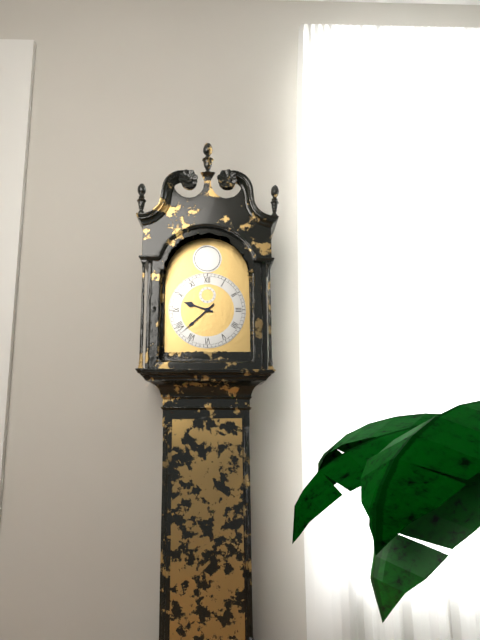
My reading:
9 h 38 min
